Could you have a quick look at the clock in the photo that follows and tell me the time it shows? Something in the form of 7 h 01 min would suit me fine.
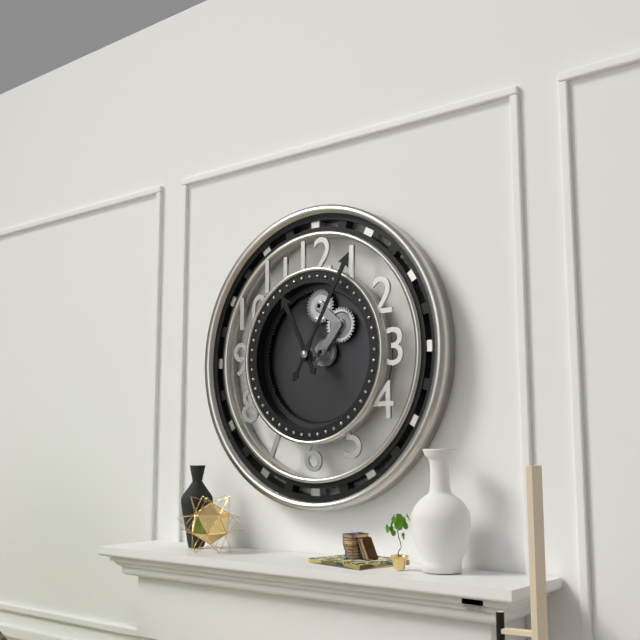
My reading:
11 h 05 min
